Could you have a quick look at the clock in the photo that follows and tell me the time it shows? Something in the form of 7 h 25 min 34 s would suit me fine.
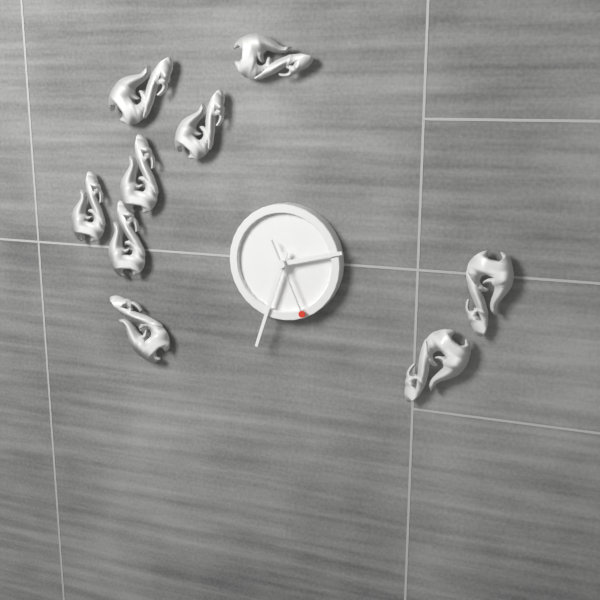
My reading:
2 h 33 min 26 s
